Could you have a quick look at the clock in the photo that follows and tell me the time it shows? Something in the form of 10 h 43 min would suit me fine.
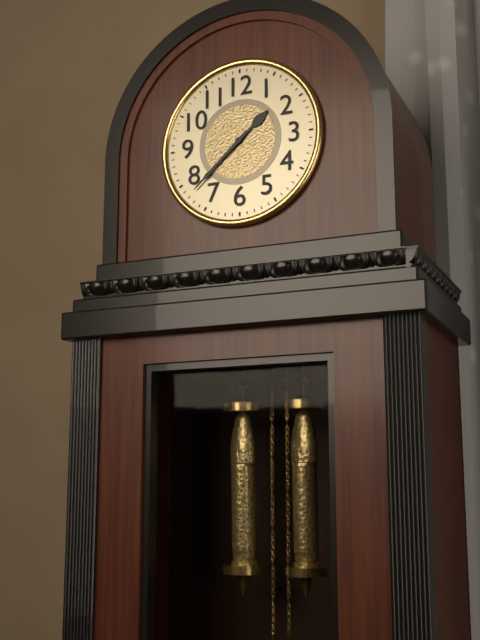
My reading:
1 h 38 min
